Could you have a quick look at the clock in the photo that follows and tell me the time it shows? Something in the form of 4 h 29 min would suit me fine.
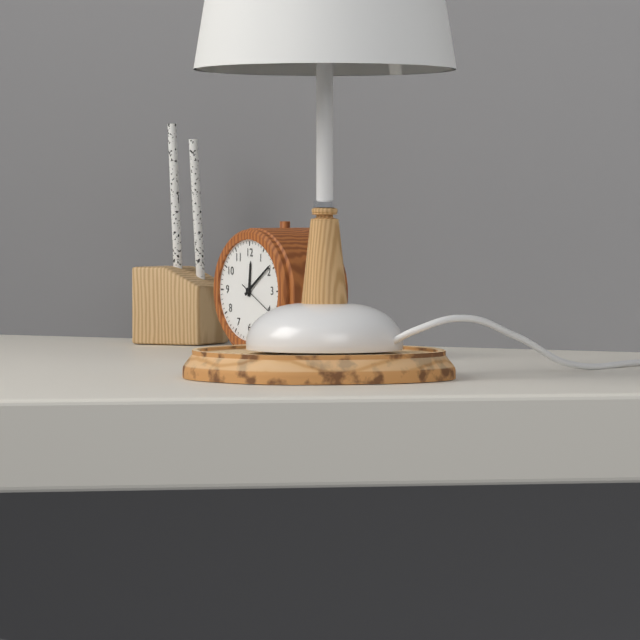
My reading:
12 h 09 min
